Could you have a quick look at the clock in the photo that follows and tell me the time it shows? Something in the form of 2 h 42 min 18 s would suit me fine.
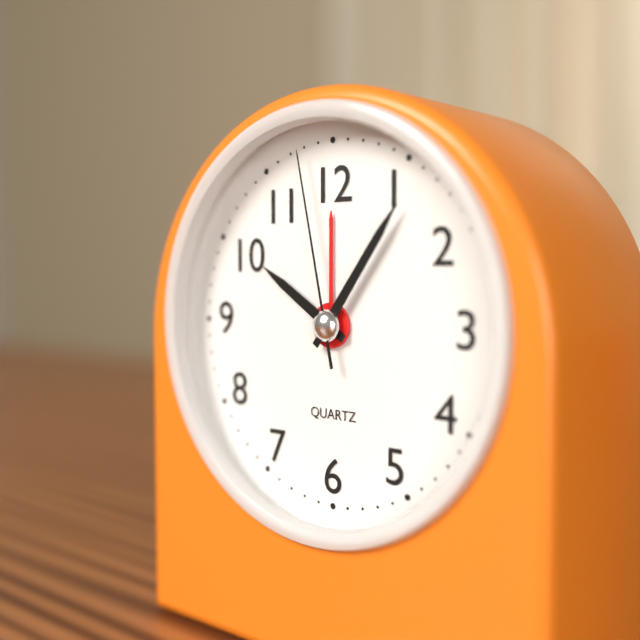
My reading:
10 h 06 min 58 s
